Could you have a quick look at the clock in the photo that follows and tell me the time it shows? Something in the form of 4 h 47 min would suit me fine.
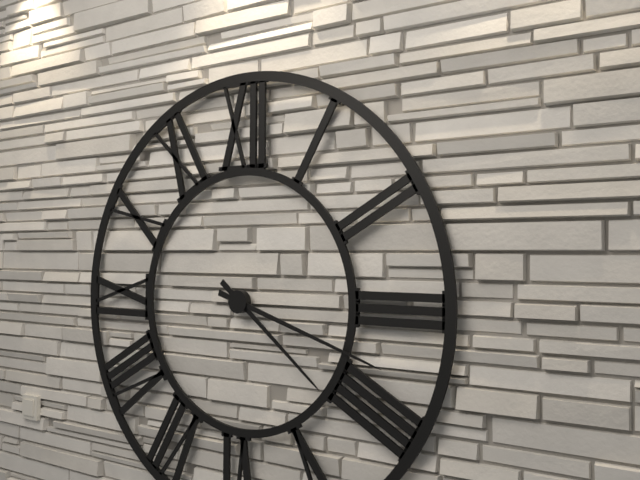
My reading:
4 h 18 min
